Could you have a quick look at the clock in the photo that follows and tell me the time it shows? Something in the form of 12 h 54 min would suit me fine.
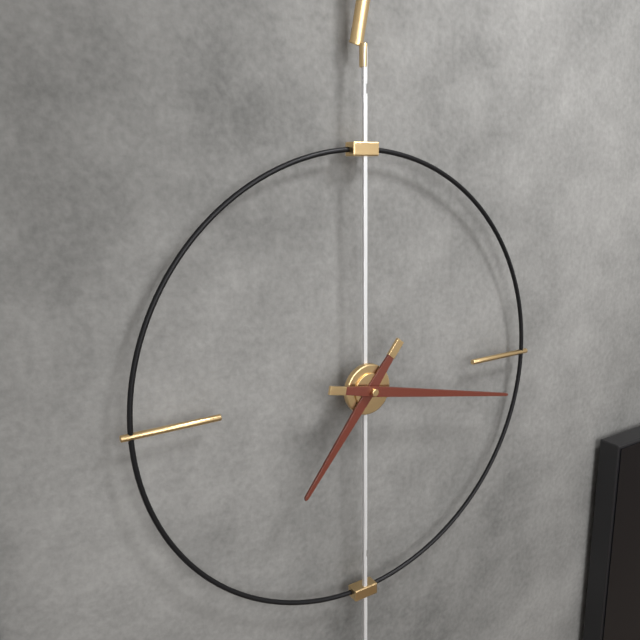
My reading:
7 h 17 min
